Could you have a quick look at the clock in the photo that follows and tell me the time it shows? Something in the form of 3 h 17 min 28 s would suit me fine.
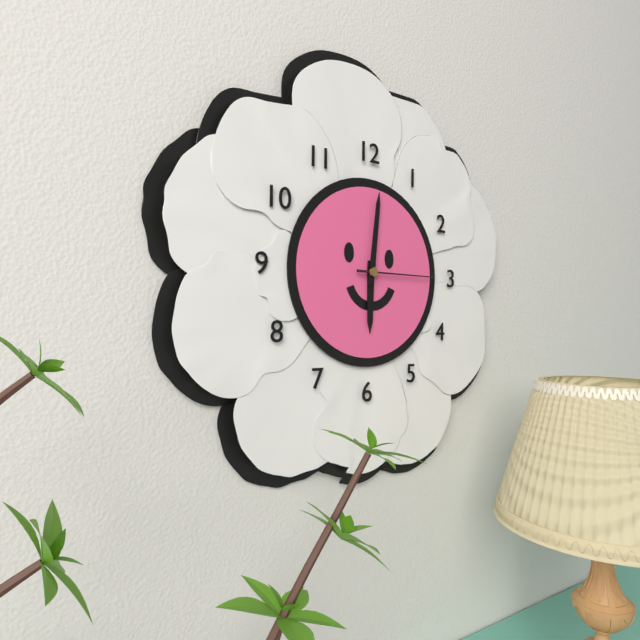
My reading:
6 h 01 min 15 s
